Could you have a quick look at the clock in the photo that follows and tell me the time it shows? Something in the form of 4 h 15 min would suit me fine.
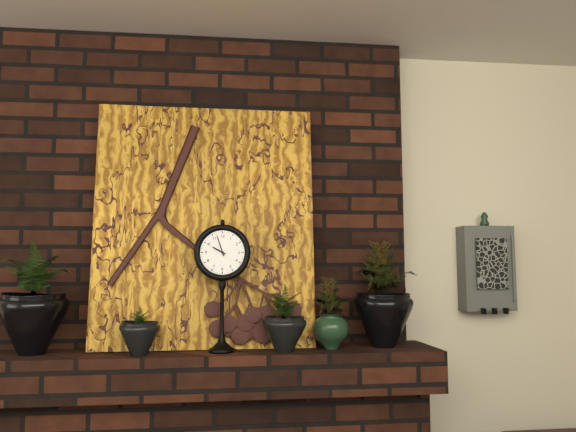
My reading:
9 h 57 min
